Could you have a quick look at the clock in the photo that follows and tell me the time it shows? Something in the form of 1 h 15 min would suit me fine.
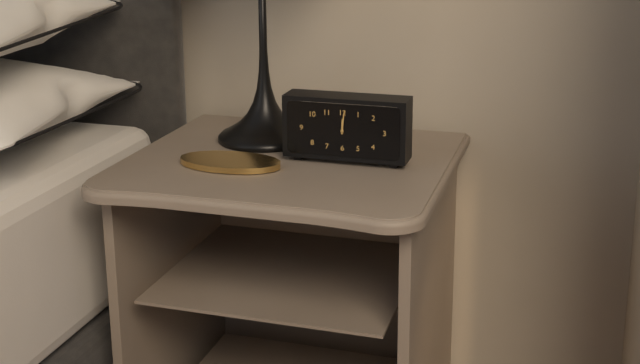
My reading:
12 h 01 min
